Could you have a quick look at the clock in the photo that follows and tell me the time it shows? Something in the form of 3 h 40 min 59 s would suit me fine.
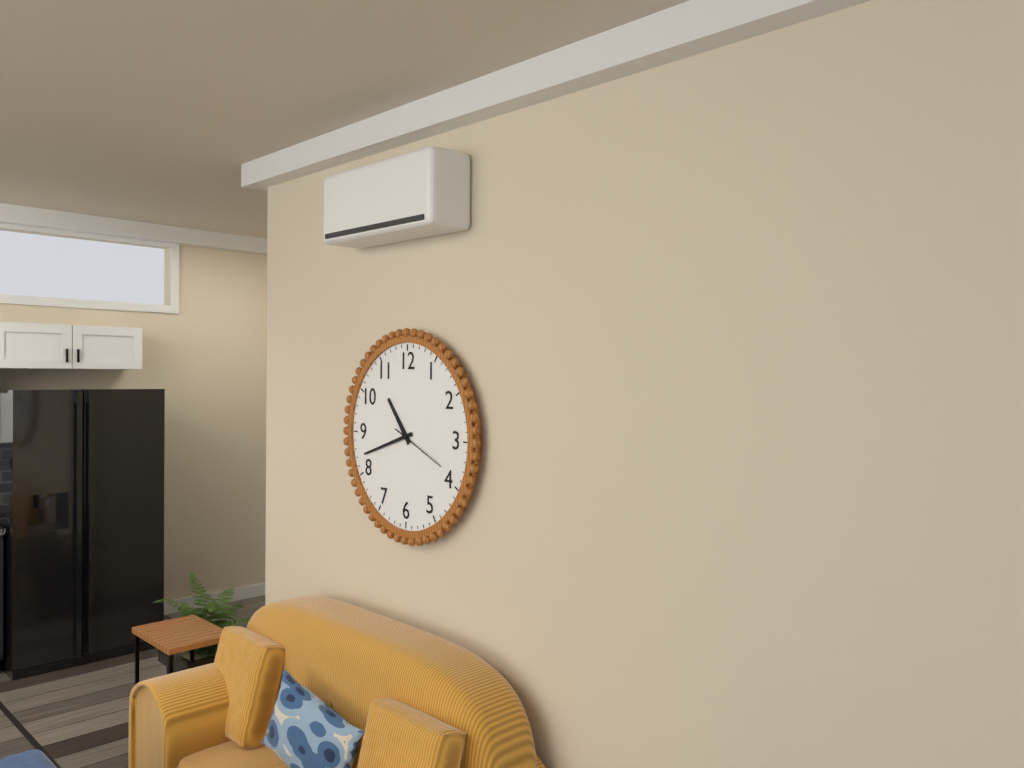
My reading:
10 h 42 min 19 s
